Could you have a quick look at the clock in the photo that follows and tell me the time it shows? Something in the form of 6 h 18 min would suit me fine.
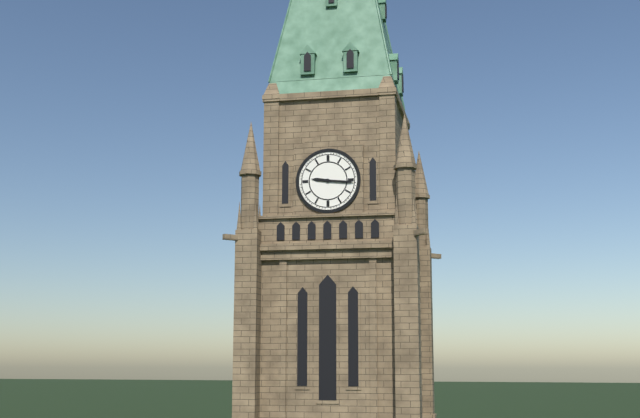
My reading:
9 h 16 min
